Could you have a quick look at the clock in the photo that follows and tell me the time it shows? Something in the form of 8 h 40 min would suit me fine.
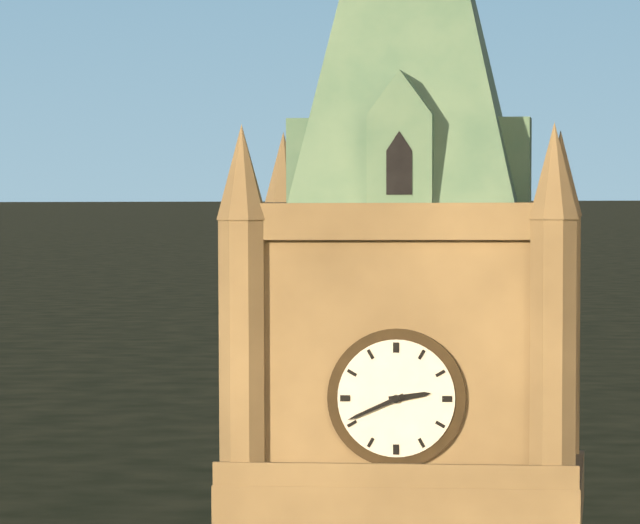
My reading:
2 h 41 min
